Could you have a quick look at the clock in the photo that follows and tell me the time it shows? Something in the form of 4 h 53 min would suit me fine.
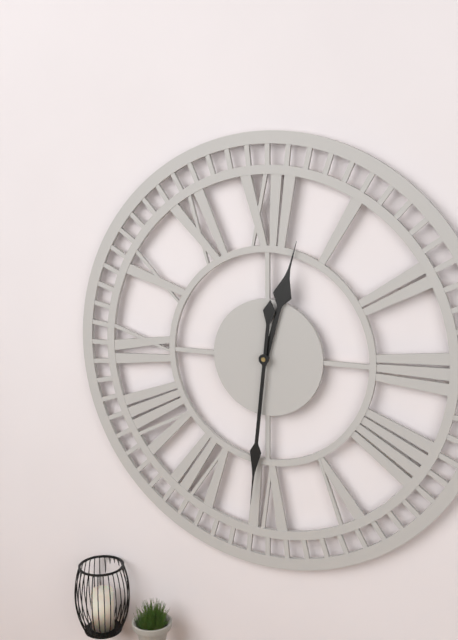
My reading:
12 h 31 min
